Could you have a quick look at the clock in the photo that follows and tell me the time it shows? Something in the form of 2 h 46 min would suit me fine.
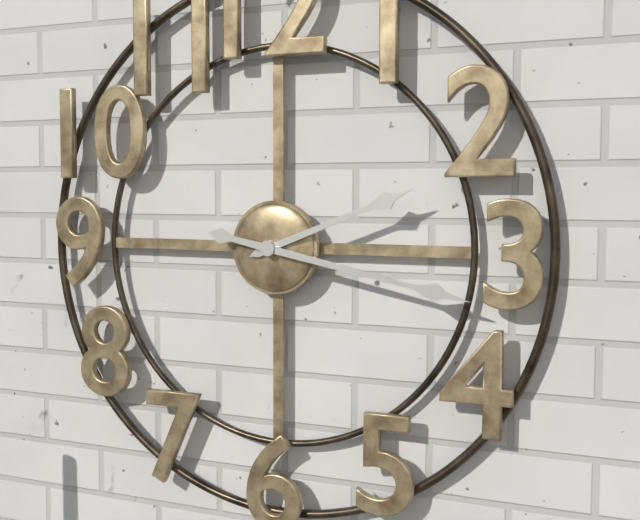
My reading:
2 h 17 min
